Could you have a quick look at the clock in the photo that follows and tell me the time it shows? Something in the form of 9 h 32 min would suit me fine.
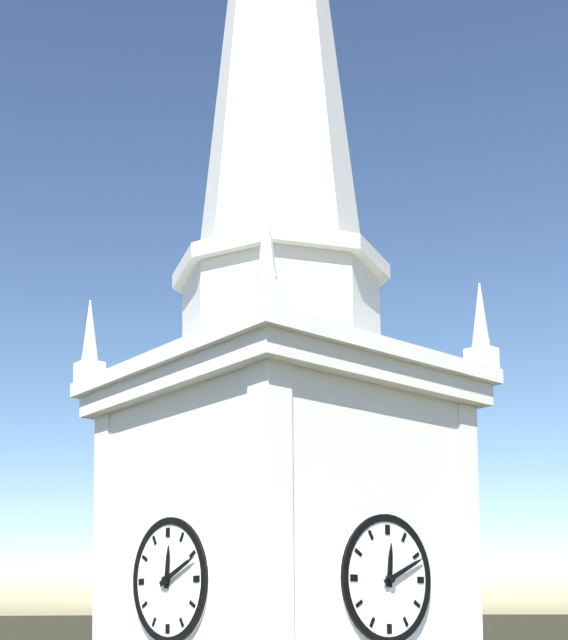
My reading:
12 h 11 min
